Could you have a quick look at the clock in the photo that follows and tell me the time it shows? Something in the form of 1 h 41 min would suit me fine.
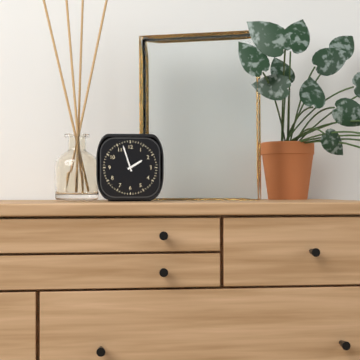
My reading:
1 h 57 min
